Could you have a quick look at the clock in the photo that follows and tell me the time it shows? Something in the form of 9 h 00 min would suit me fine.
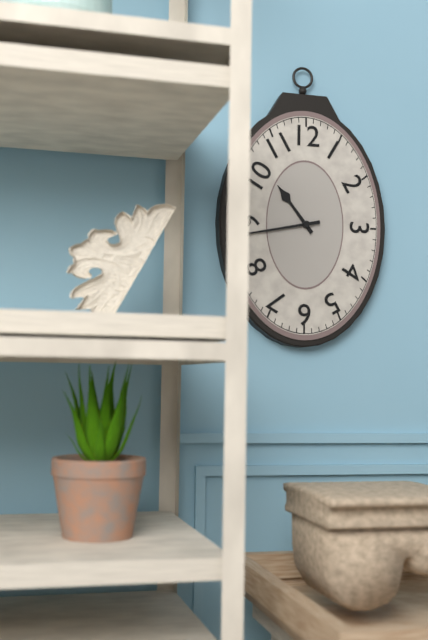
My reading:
10 h 43 min
